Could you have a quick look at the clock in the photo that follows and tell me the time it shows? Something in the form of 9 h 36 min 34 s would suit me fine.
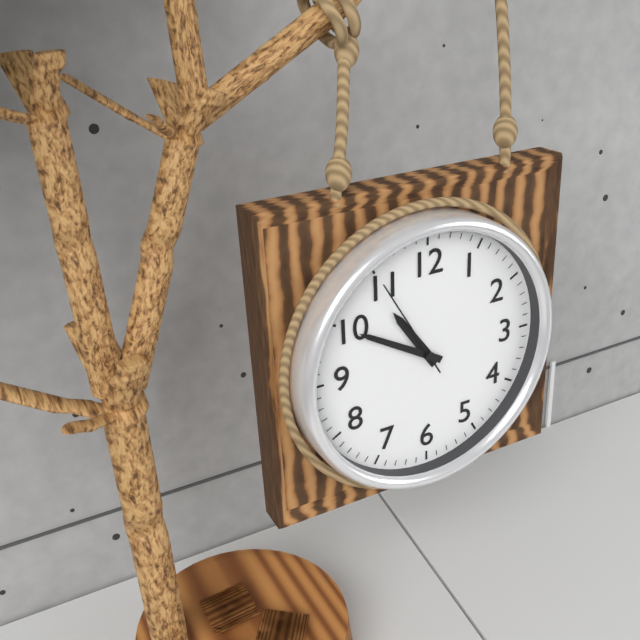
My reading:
10 h 50 min 55 s
